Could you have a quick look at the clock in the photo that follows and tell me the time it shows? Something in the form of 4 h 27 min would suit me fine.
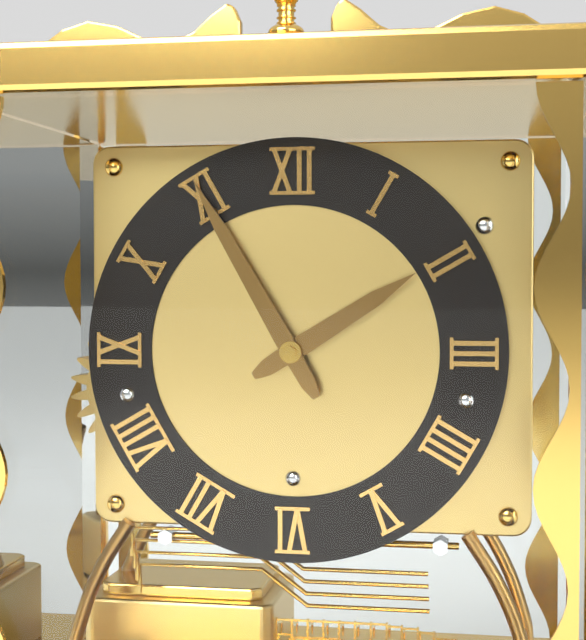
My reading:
1 h 55 min
